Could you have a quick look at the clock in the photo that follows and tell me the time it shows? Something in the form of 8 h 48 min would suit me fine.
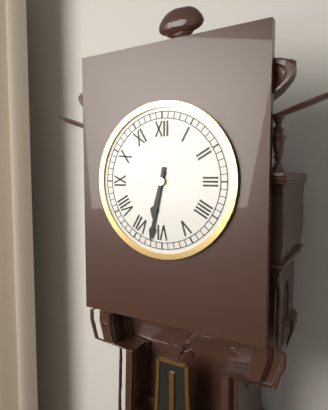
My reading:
6 h 32 min
